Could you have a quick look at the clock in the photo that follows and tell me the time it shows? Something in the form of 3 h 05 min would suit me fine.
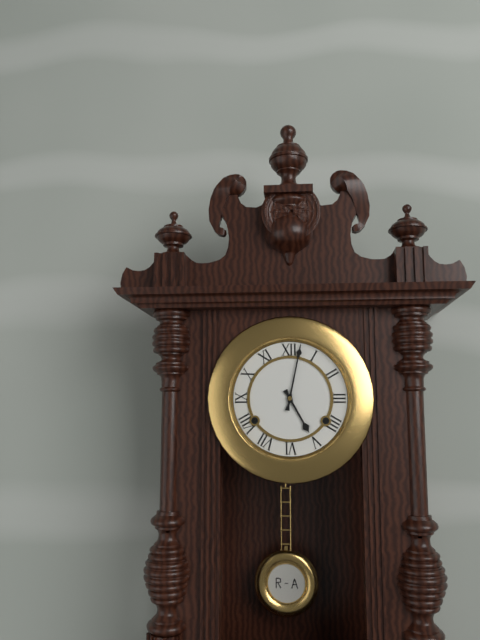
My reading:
5 h 02 min
